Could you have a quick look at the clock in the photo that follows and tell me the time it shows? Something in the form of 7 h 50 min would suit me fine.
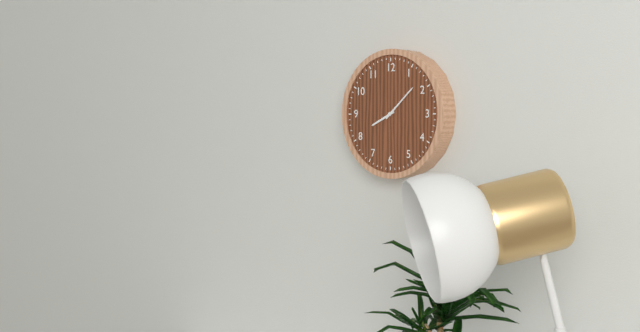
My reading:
8 h 08 min
